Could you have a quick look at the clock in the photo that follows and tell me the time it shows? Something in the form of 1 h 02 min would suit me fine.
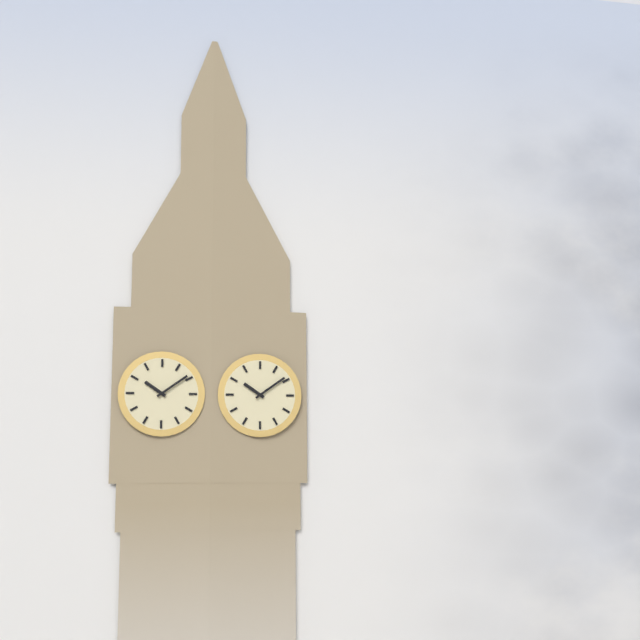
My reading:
10 h 09 min
